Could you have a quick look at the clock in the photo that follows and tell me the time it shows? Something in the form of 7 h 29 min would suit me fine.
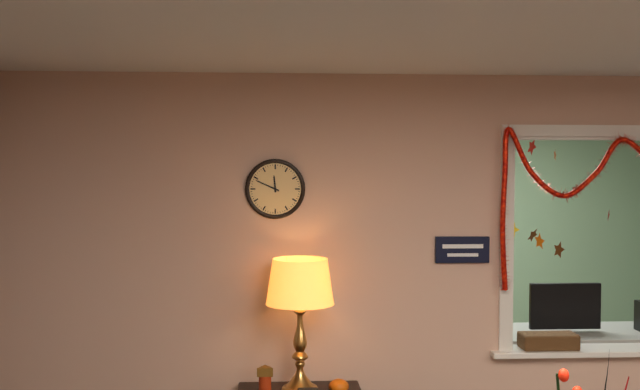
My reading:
11 h 49 min
